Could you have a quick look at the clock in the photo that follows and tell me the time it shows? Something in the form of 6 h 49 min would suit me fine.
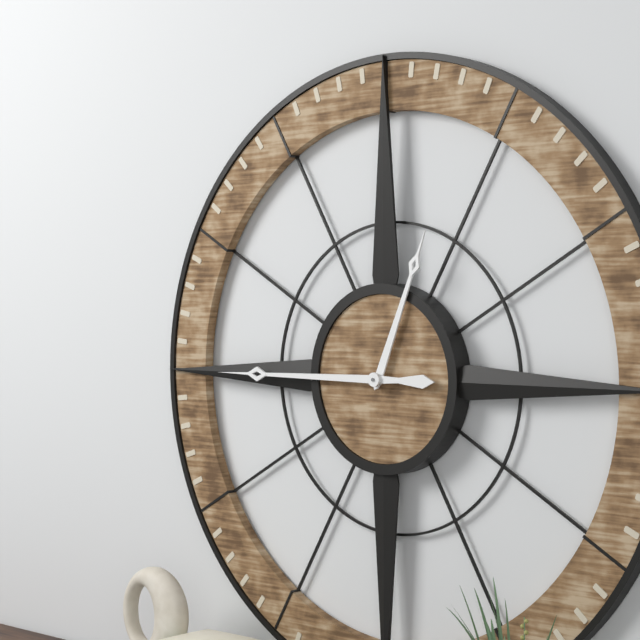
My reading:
12 h 45 min
